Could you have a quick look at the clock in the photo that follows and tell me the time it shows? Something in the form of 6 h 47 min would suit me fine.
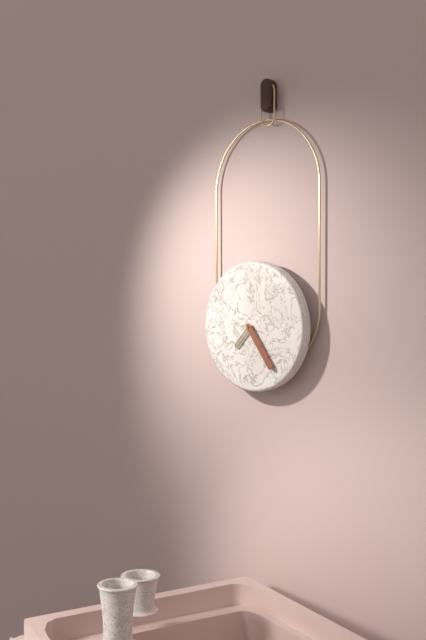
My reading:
7 h 24 min
